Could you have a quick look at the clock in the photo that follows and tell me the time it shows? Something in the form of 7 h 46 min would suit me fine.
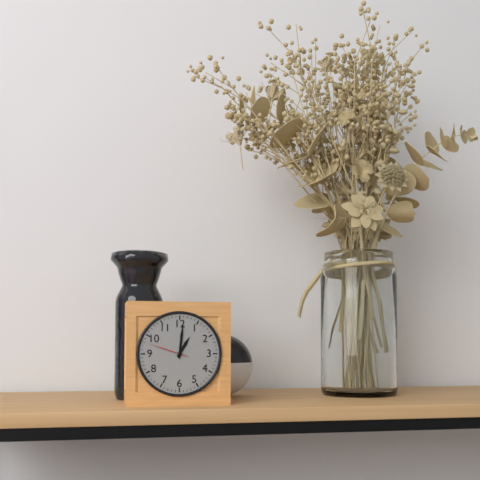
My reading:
1 h 01 min
